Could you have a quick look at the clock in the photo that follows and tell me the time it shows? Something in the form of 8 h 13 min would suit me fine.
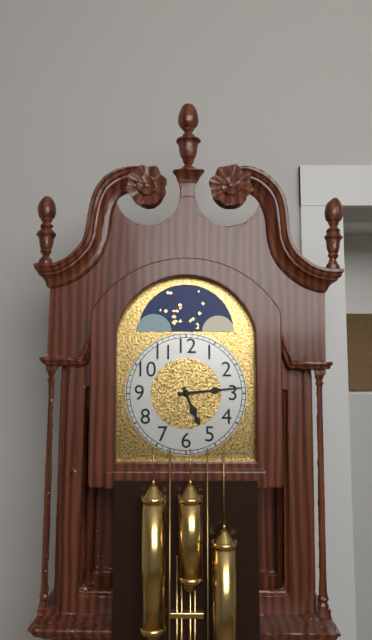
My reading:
5 h 14 min
